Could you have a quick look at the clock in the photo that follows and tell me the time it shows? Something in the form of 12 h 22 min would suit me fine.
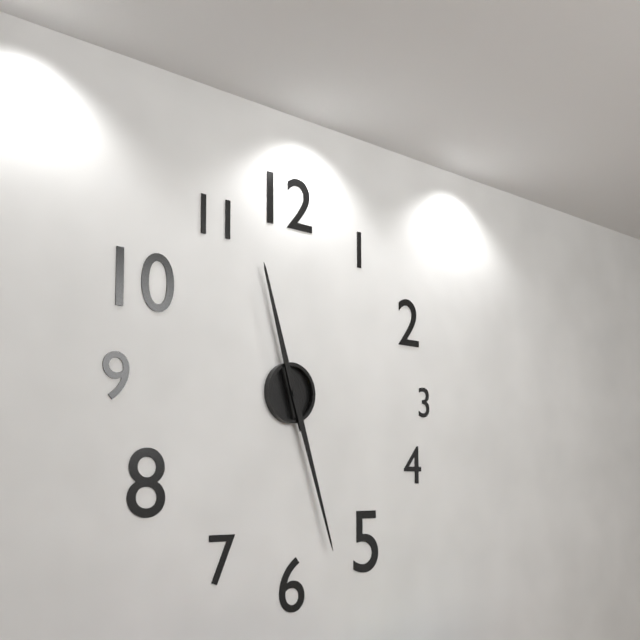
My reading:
11 h 27 min
